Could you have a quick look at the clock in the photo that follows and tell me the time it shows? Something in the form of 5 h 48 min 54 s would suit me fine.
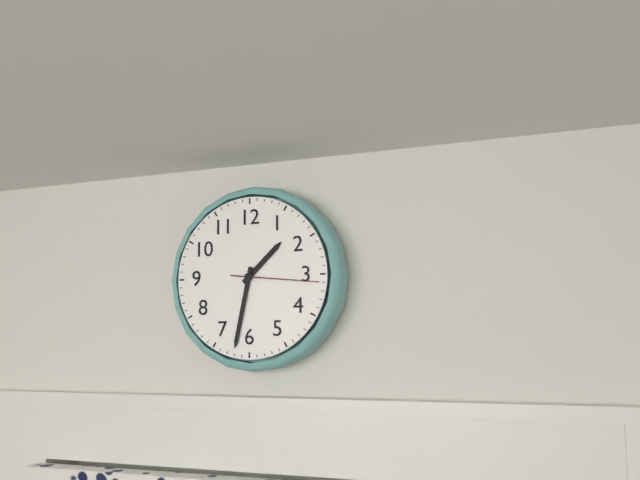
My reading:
1 h 32 min 16 s
